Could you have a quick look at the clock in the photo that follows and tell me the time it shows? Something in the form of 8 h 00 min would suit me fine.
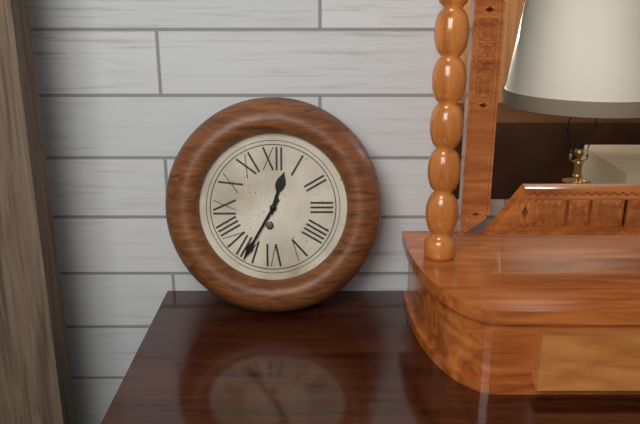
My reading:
12 h 35 min
